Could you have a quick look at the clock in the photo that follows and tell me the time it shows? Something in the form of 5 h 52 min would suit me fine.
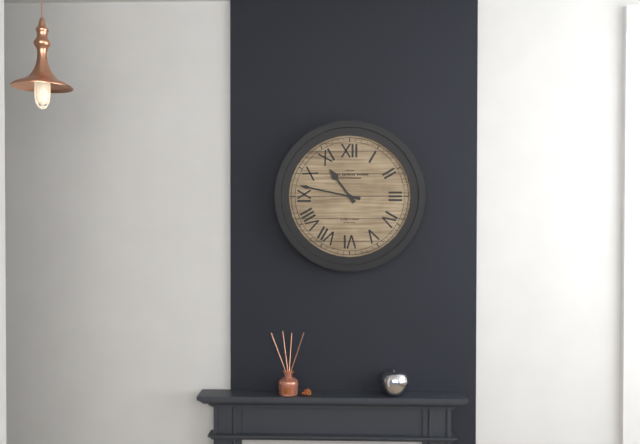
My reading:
10 h 47 min
